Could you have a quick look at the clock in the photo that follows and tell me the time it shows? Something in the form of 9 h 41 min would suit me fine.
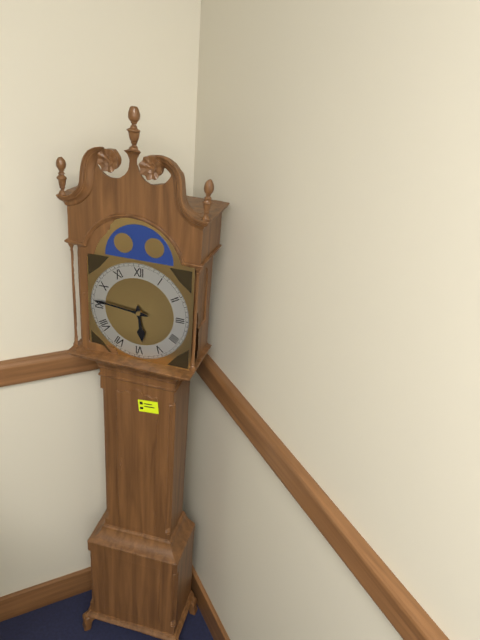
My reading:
5 h 46 min
